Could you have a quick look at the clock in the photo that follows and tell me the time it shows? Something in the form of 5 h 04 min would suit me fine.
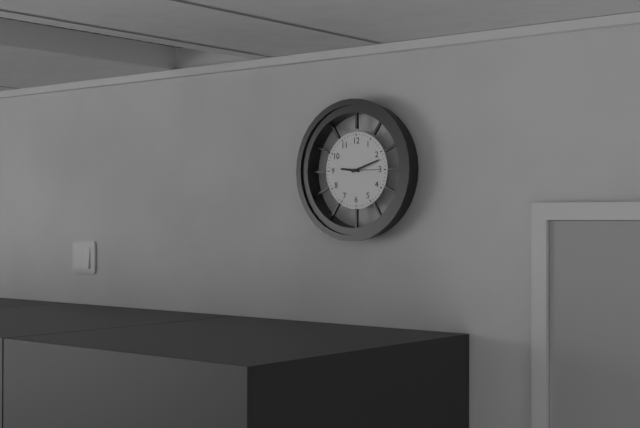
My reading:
9 h 12 min
